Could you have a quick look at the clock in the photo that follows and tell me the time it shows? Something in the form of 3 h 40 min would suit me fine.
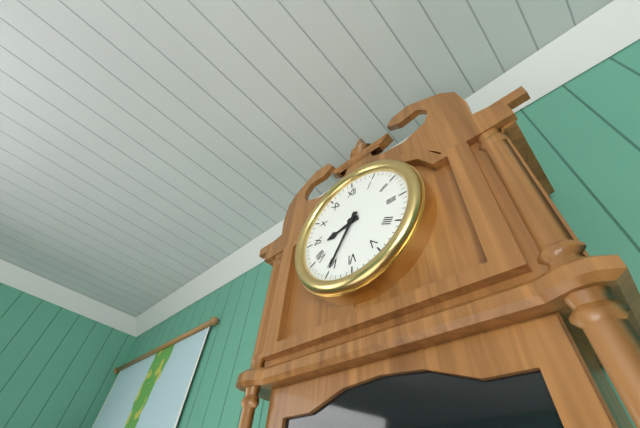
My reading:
8 h 35 min
